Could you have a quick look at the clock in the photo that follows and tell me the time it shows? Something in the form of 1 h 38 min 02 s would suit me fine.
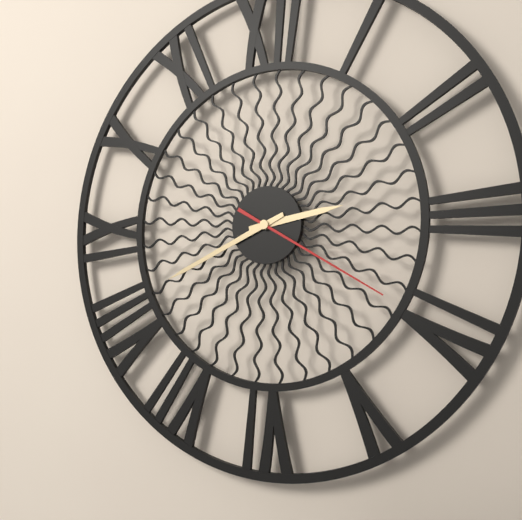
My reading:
2 h 41 min 20 s
